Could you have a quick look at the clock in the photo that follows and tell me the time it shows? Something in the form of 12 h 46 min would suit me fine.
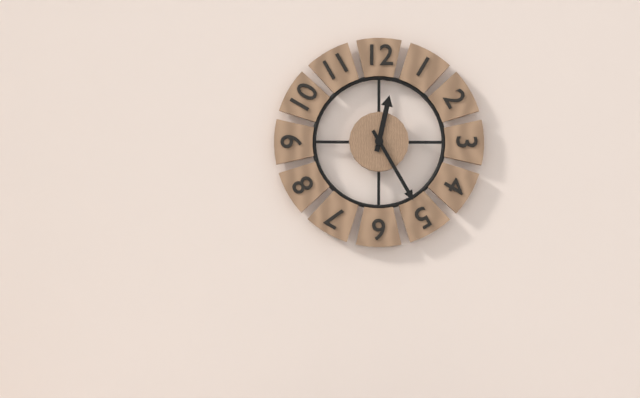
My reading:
12 h 25 min
